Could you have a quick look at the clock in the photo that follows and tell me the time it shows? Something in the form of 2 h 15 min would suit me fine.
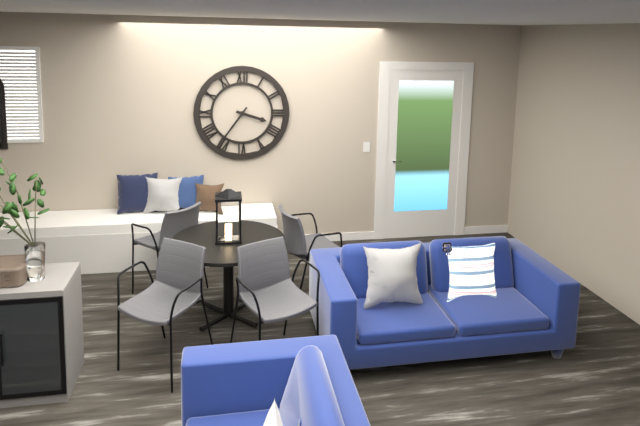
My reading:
3 h 36 min
